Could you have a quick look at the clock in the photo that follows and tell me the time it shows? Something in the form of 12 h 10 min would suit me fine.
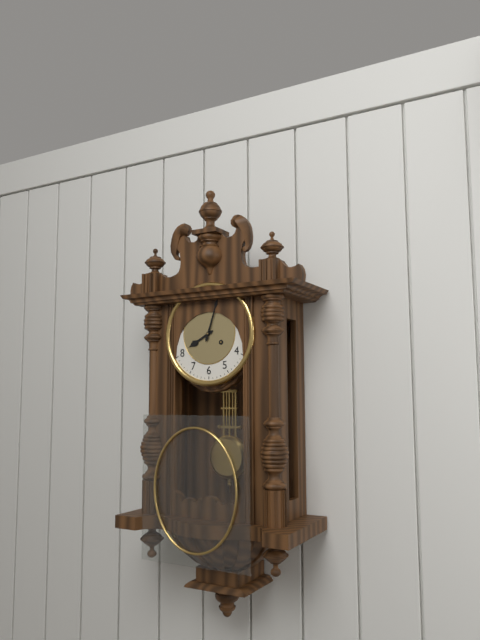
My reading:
8 h 03 min
